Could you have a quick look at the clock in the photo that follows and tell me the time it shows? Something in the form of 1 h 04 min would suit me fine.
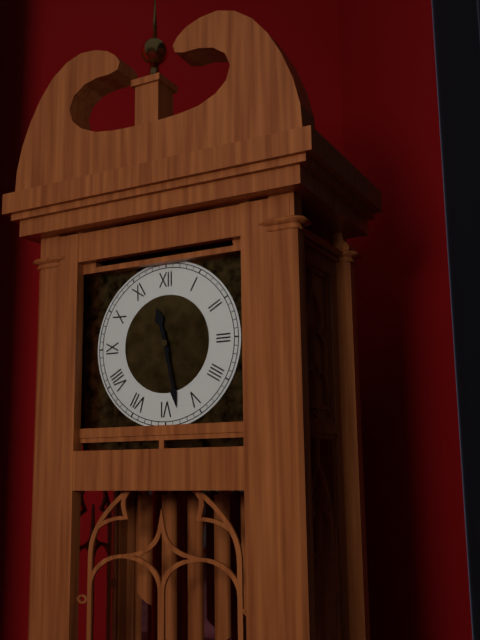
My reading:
11 h 28 min
